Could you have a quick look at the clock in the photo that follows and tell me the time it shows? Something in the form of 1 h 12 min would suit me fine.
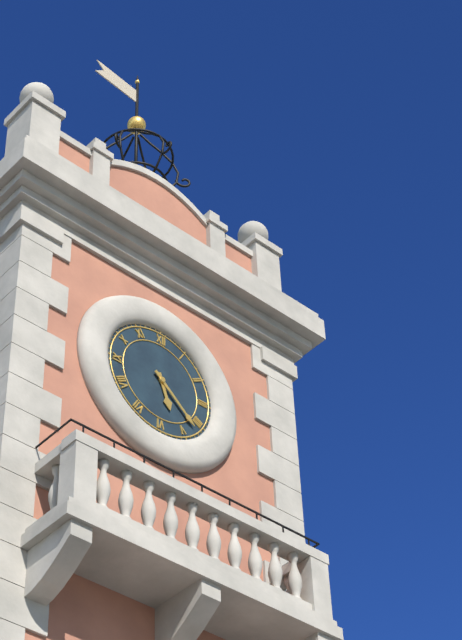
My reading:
5 h 22 min
